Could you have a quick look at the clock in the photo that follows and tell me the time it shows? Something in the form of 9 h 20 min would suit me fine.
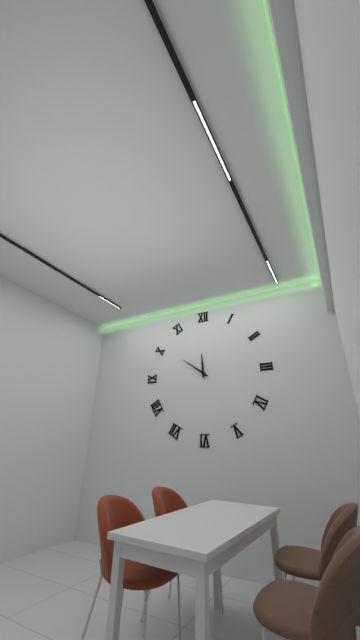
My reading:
11 h 51 min
